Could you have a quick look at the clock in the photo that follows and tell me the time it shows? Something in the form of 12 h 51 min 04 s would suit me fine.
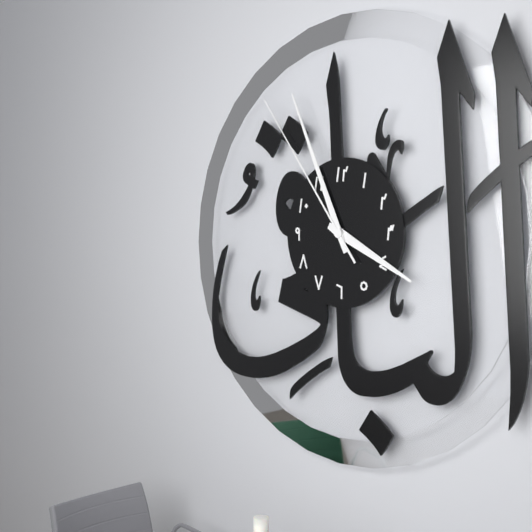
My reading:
3 h 56 min 54 s
